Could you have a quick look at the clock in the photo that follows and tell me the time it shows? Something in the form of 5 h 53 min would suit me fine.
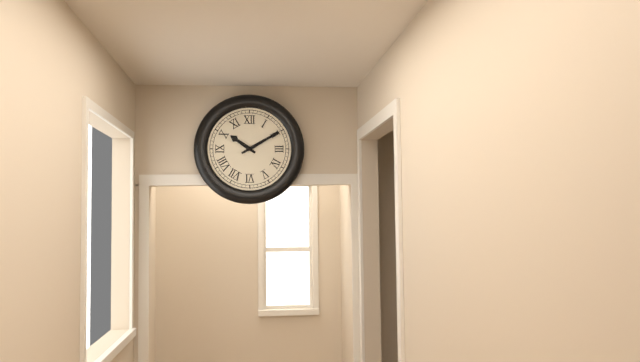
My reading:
10 h 10 min
